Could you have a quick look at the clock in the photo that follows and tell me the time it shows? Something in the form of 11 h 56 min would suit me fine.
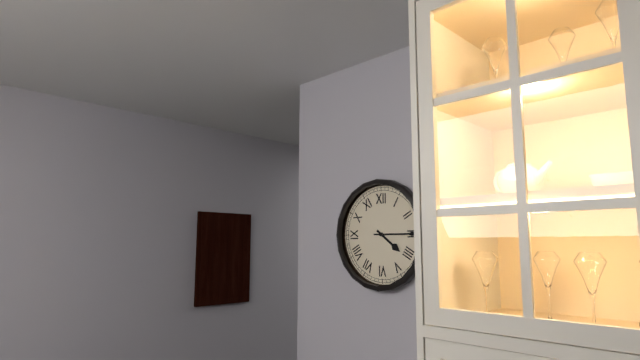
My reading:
4 h 15 min
